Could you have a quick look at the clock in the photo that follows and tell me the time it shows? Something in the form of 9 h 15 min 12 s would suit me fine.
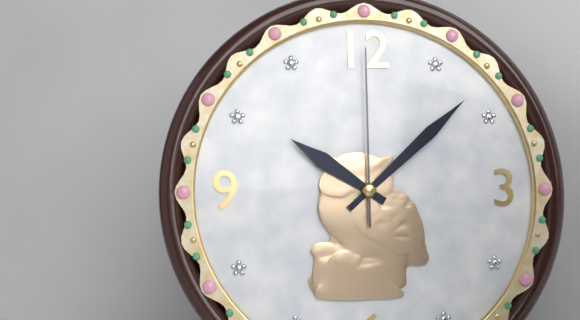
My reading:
10 h 08 min 00 s
